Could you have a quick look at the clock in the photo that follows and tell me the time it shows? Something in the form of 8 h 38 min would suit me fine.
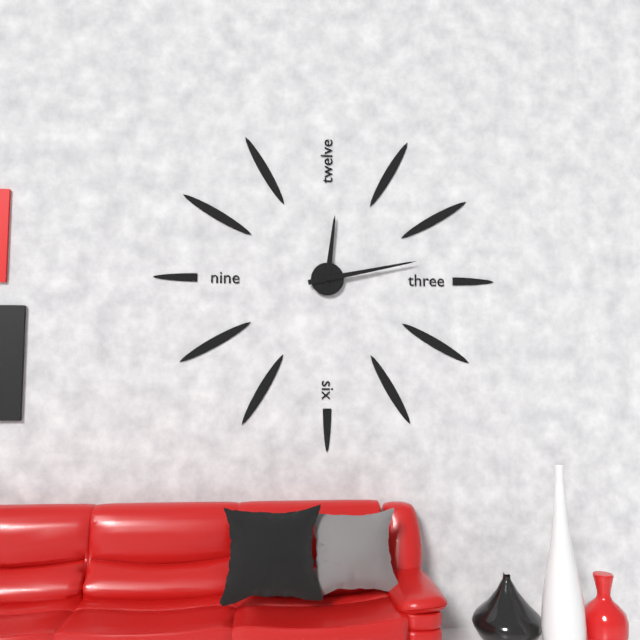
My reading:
12 h 13 min
